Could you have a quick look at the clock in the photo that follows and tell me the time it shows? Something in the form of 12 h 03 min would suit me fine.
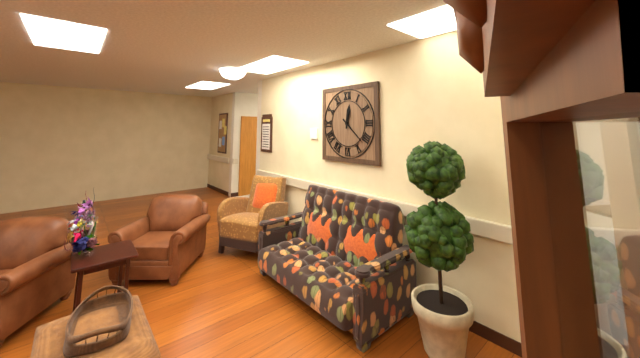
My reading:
12 h 22 min
